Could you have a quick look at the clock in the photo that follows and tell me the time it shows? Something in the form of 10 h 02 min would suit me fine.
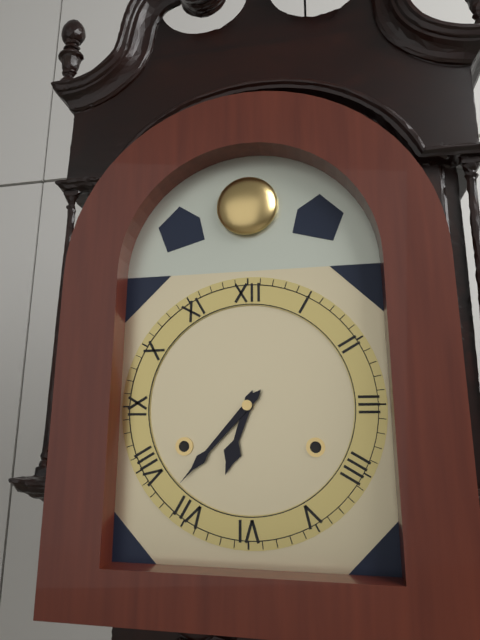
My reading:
6 h 37 min
